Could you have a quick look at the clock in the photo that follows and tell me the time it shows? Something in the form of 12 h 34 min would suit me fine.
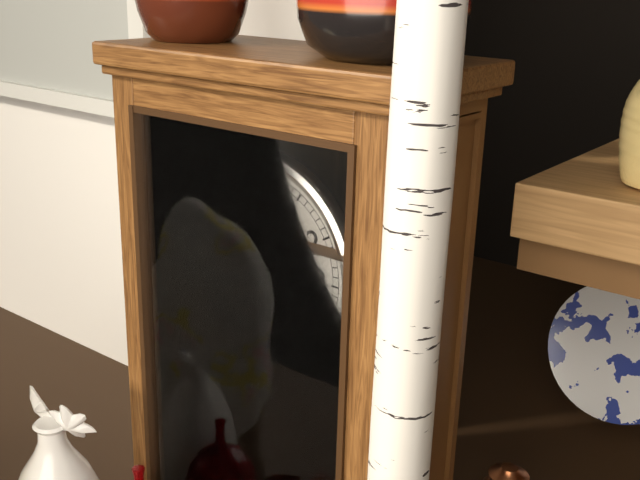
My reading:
4 h 05 min
